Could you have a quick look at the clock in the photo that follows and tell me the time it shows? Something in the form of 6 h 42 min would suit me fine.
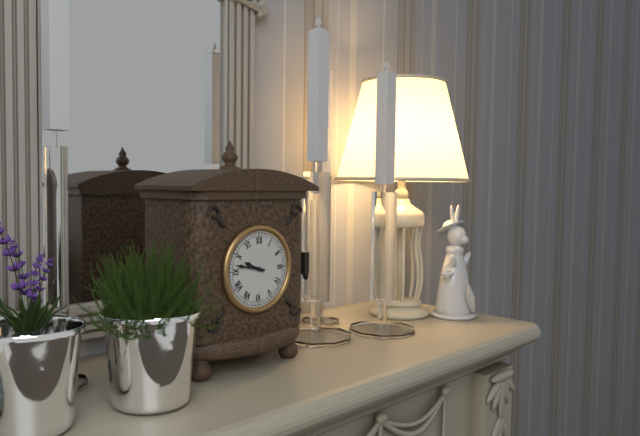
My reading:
9 h 47 min
